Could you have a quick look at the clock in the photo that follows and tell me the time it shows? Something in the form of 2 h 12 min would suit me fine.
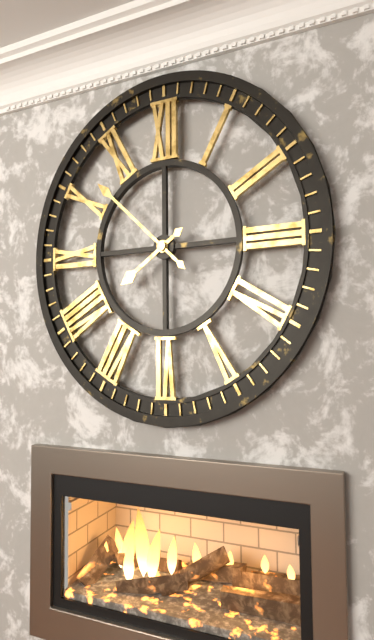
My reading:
7 h 52 min
